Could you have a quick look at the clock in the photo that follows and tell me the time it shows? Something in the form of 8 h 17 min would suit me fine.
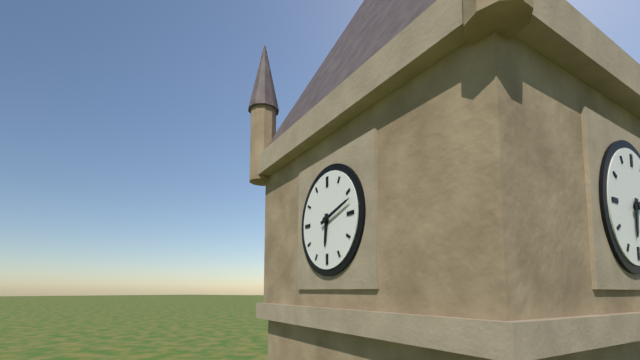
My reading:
6 h 12 min
